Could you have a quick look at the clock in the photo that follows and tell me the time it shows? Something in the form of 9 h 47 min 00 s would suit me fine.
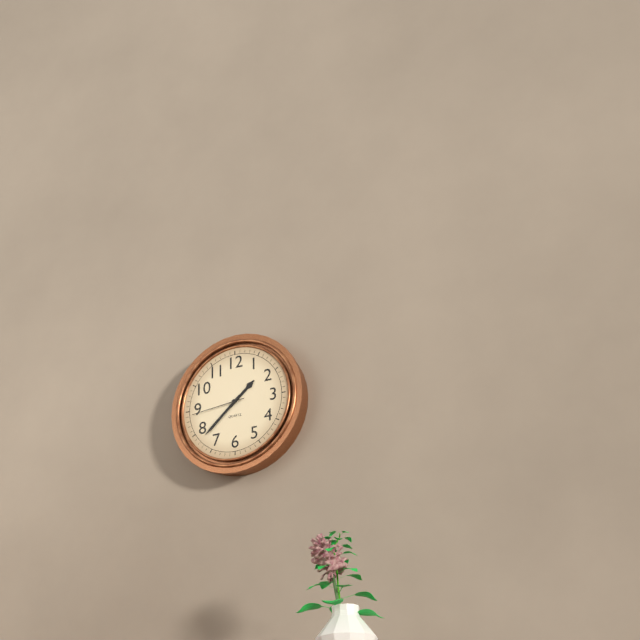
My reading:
1 h 38 min 44 s
